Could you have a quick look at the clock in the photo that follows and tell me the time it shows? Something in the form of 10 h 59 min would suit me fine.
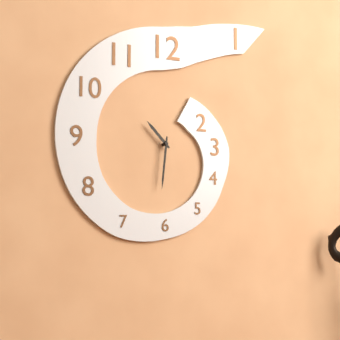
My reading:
10 h 31 min
